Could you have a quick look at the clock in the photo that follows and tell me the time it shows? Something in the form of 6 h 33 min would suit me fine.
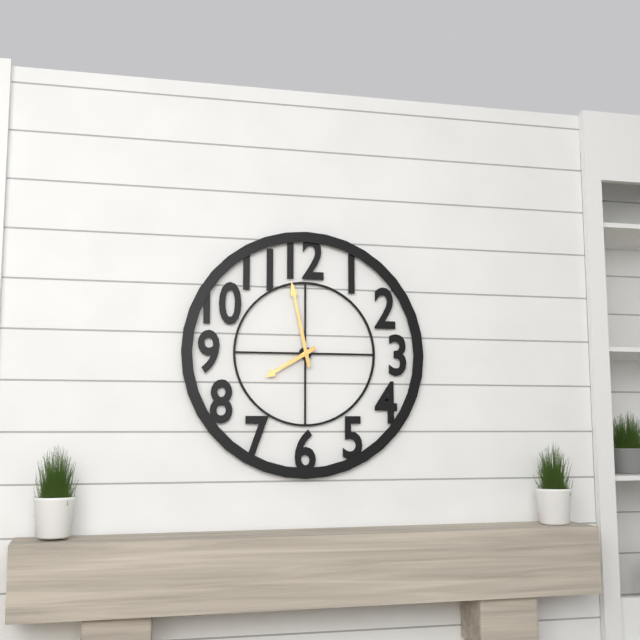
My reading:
7 h 58 min
